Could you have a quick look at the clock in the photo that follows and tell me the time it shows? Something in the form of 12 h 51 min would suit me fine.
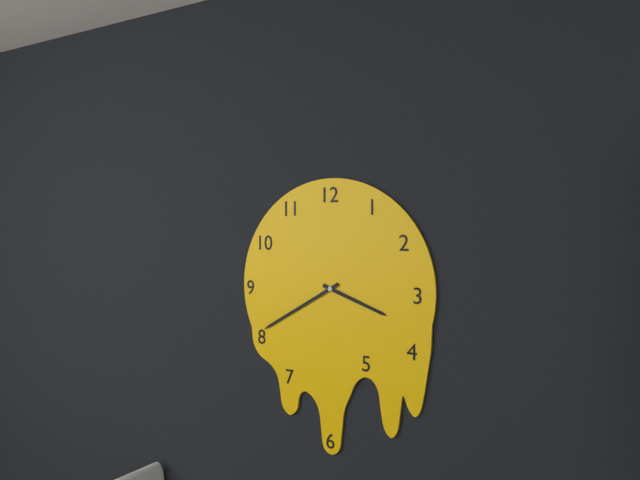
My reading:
3 h 40 min
